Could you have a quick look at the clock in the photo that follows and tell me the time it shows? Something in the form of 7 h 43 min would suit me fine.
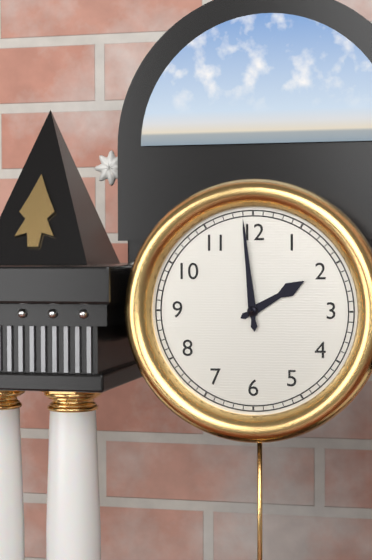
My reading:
1 h 59 min
